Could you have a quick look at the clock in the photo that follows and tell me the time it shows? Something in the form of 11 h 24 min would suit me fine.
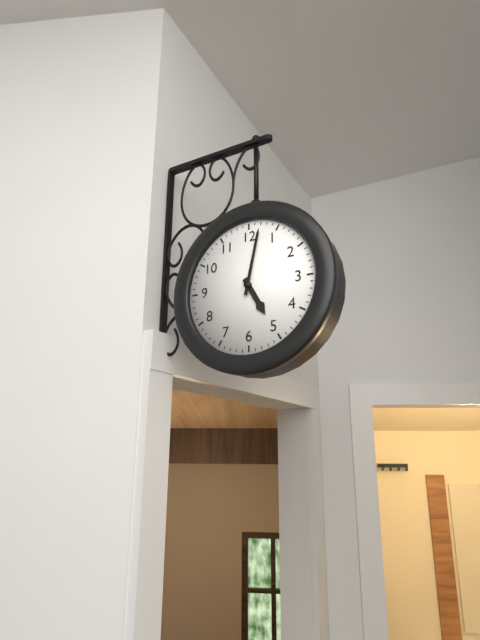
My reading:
5 h 02 min
